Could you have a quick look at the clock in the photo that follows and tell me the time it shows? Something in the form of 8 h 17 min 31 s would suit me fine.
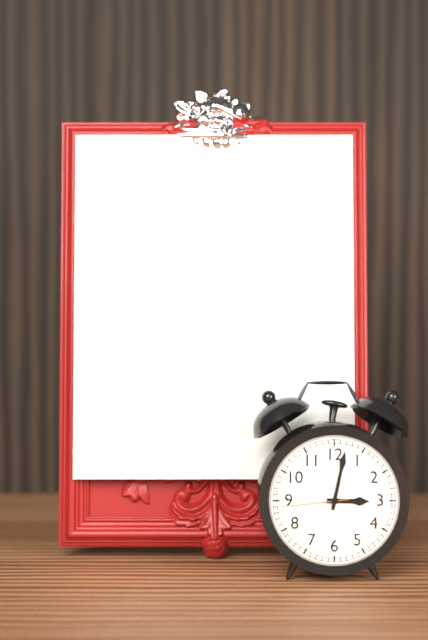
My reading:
3 h 02 min 44 s
